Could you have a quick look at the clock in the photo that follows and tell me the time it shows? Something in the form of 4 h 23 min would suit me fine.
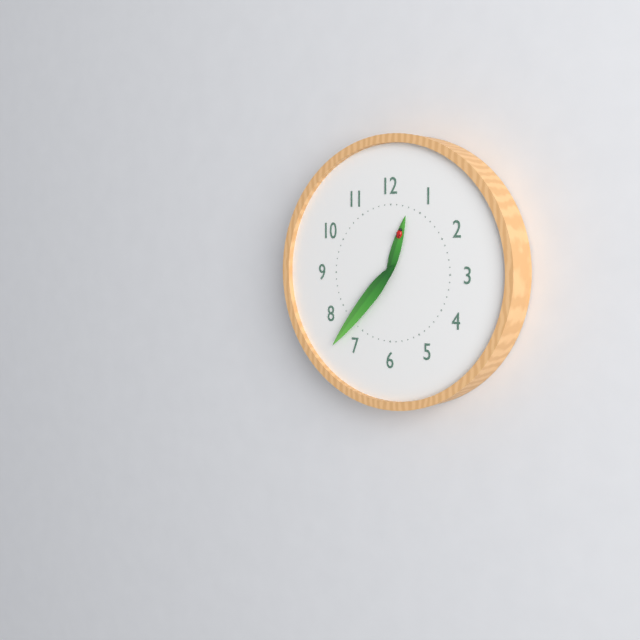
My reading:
12 h 37 min
